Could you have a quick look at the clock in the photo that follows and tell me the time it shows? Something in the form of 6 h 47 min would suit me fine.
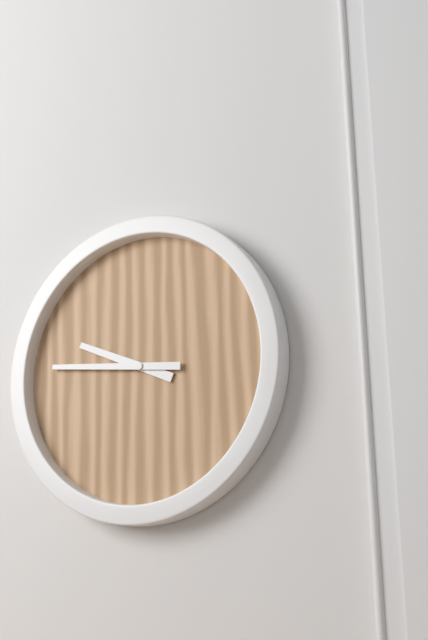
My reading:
9 h 46 min
